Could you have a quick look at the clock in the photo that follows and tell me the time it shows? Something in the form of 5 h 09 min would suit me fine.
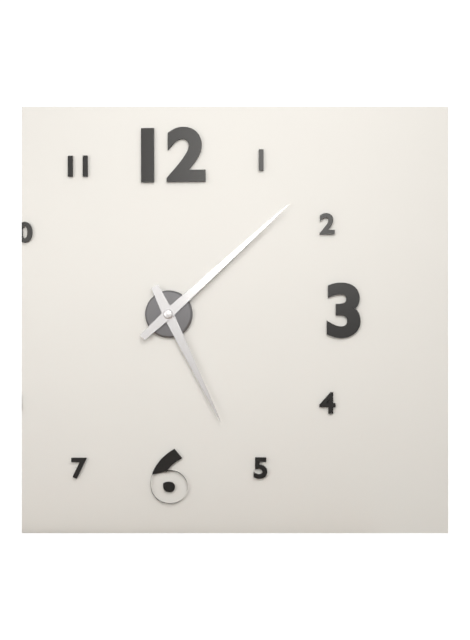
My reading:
5 h 08 min
